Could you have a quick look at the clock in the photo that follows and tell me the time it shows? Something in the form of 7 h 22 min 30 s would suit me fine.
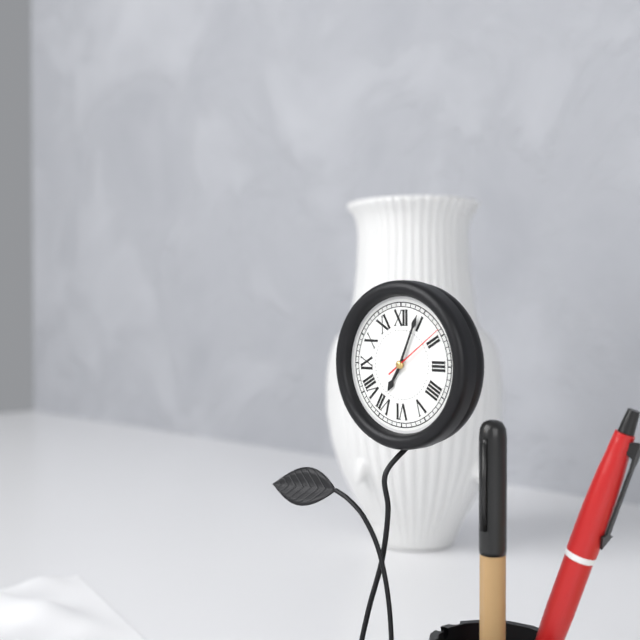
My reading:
7 h 04 min 09 s
